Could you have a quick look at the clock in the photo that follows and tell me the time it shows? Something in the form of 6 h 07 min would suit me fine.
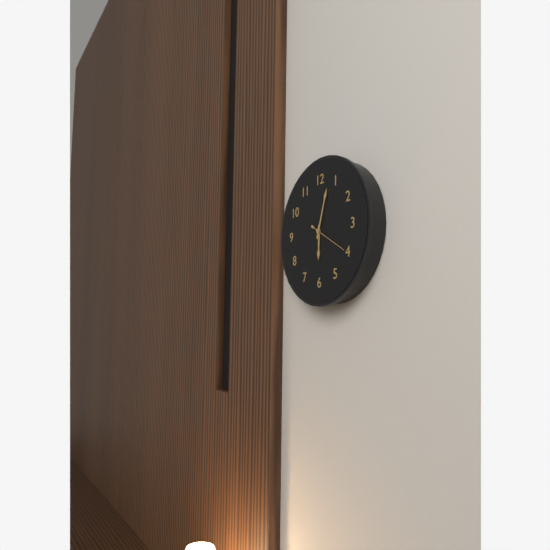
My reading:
6 h 03 min
